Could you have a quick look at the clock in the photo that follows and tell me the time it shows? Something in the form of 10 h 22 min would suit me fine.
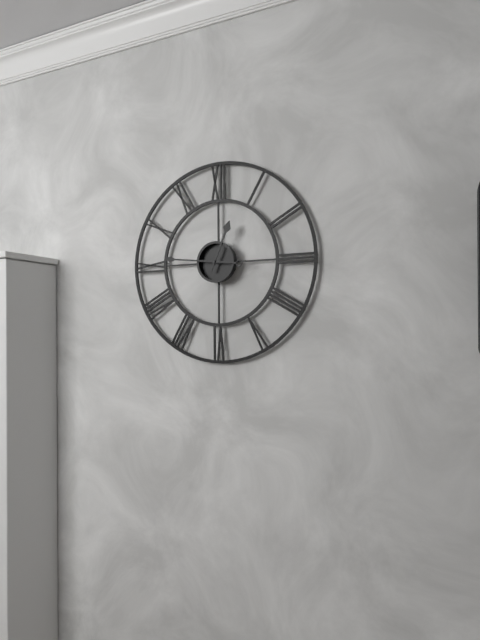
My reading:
12 h 46 min
